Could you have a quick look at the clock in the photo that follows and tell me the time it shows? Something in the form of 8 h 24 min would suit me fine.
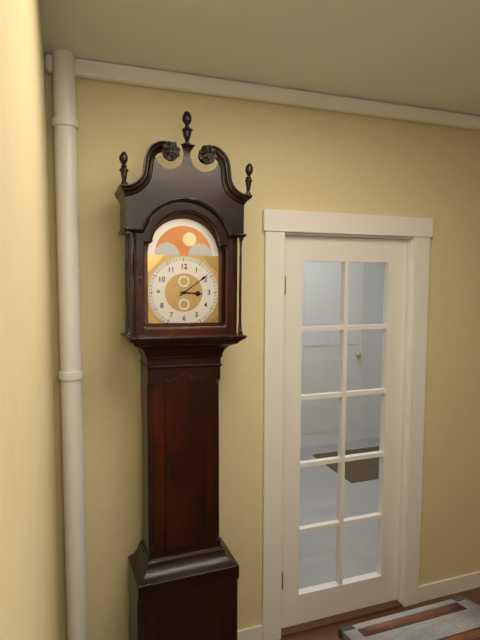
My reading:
3 h 09 min
